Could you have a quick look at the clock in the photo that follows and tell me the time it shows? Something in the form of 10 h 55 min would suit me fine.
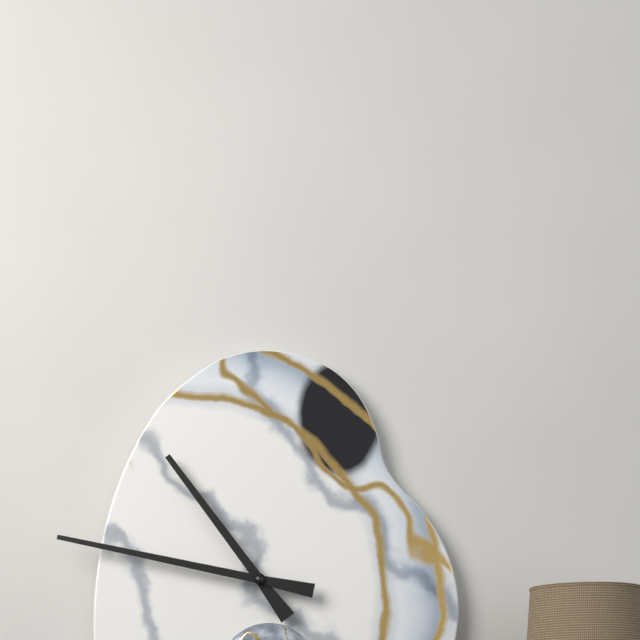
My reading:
10 h 47 min
